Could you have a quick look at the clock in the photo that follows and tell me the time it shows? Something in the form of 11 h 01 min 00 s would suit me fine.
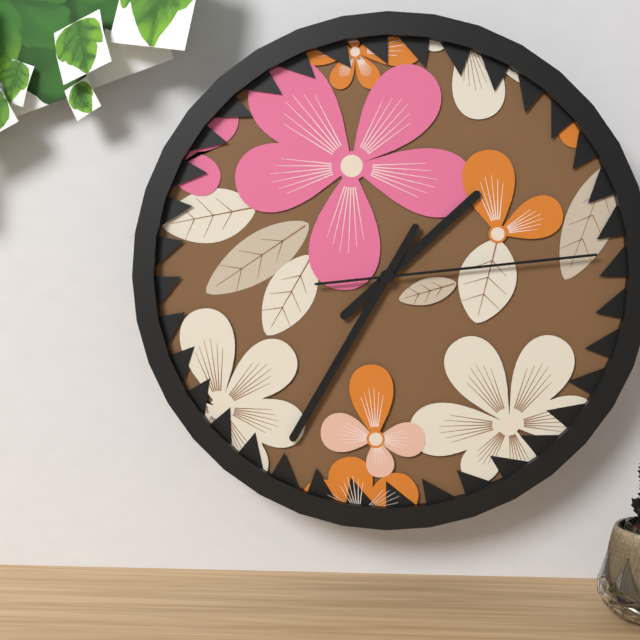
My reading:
1 h 35 min 14 s
